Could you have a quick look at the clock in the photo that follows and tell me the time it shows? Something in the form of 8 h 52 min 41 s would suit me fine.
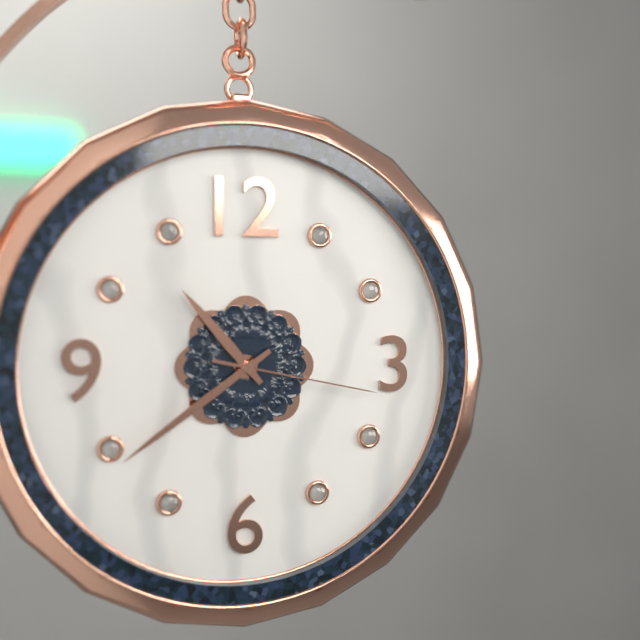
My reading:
10 h 39 min 17 s
